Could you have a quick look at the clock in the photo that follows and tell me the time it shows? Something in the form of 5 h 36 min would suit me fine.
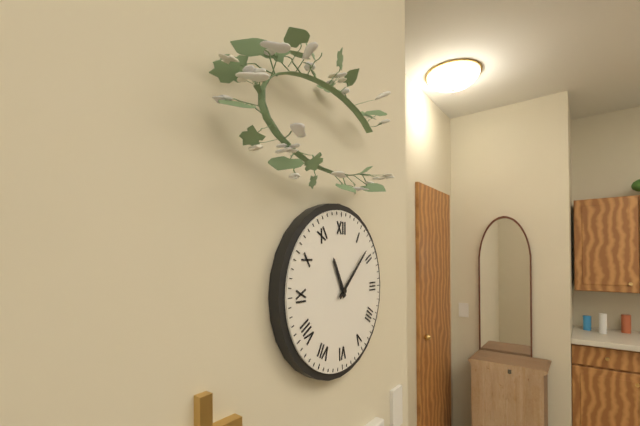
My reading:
11 h 08 min
